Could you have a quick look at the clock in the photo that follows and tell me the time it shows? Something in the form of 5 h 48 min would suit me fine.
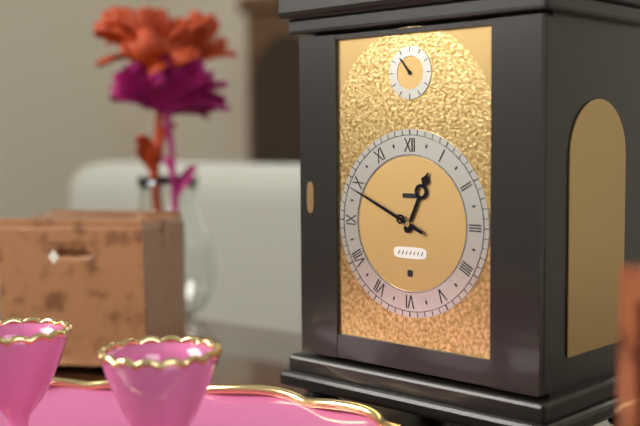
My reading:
12 h 49 min
